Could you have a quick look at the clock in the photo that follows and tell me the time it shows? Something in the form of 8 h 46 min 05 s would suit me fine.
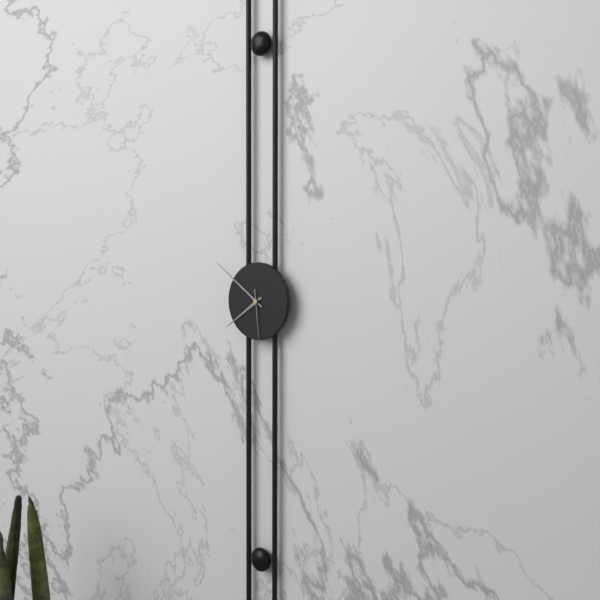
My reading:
7 h 51 min 29 s
